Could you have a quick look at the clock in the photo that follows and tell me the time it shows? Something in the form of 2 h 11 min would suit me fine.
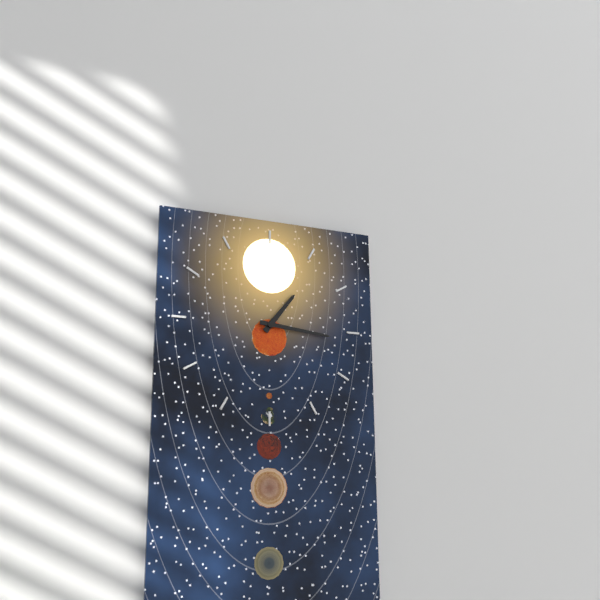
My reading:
1 h 16 min
